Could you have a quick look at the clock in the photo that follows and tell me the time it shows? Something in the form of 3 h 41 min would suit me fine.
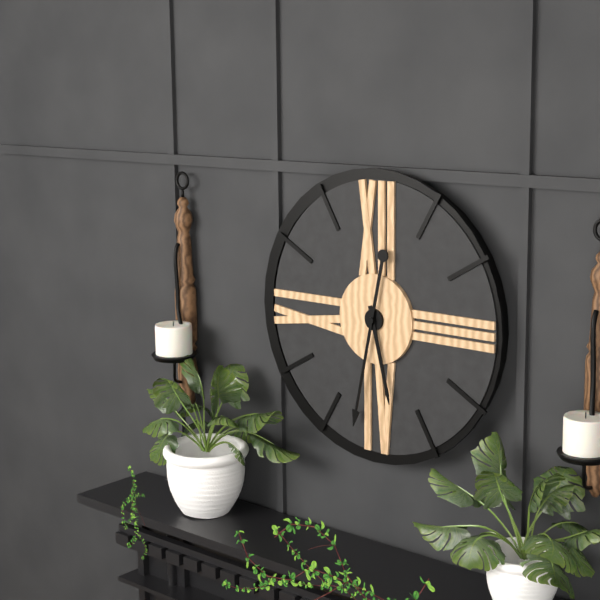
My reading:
5 h 32 min
